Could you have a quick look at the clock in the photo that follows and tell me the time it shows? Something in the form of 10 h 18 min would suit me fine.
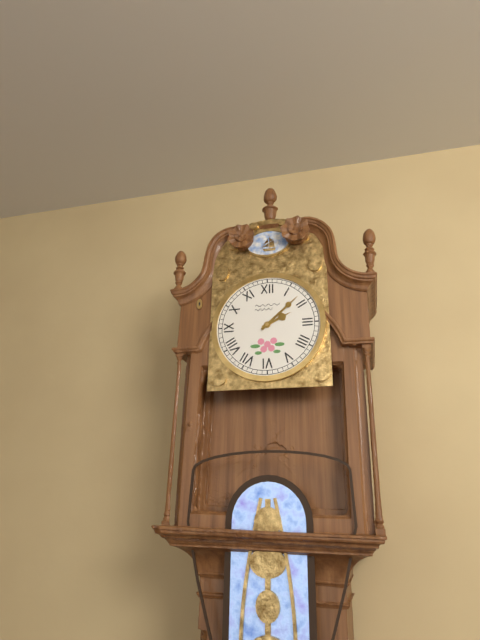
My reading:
2 h 08 min
